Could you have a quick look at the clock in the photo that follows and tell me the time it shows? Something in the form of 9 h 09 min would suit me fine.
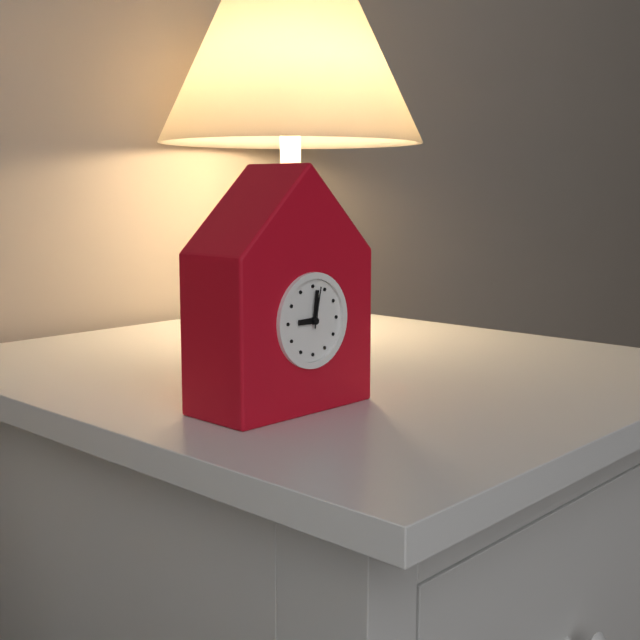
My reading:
9 h 01 min
